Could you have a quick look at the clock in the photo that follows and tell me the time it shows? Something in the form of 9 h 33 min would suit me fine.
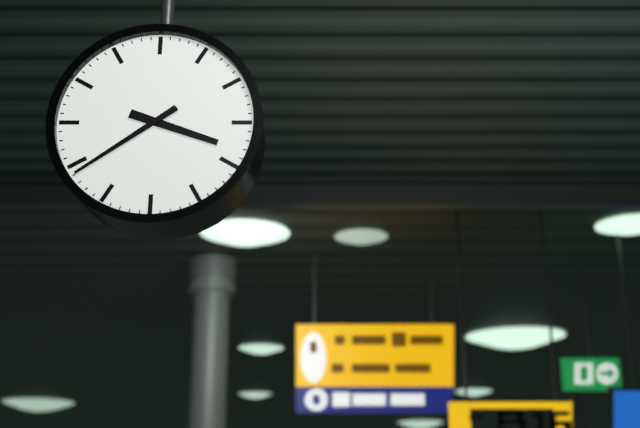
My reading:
3 h 39 min
